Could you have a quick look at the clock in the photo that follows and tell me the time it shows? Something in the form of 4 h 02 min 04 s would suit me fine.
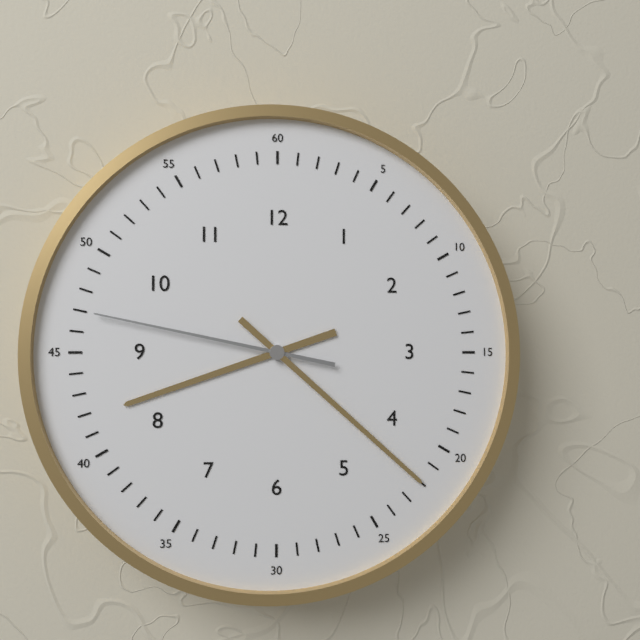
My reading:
8 h 22 min 47 s
